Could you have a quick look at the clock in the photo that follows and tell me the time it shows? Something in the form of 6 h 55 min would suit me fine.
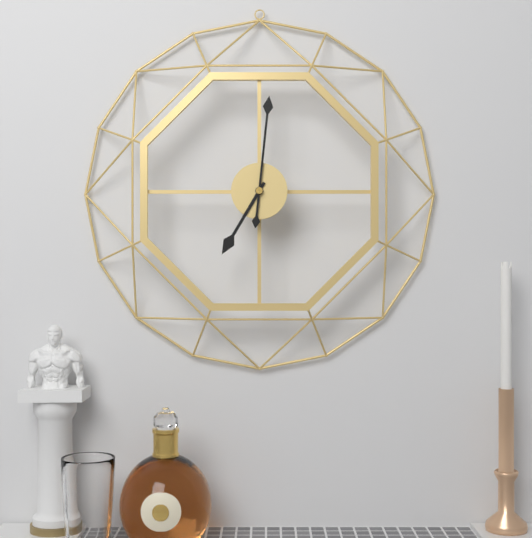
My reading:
7 h 01 min
